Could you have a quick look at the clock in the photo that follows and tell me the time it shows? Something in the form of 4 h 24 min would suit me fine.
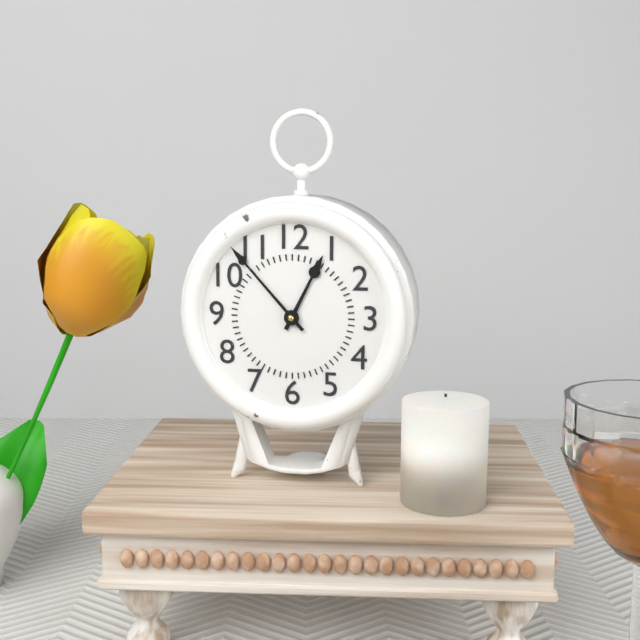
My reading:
12 h 53 min
